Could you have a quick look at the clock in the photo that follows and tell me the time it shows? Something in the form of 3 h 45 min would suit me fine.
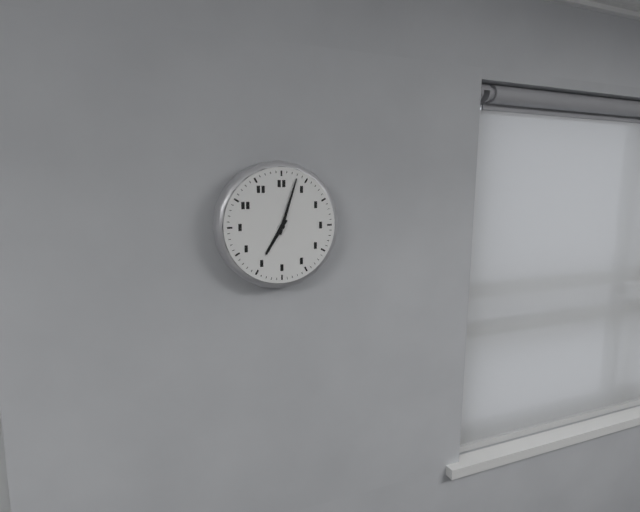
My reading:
7 h 03 min
